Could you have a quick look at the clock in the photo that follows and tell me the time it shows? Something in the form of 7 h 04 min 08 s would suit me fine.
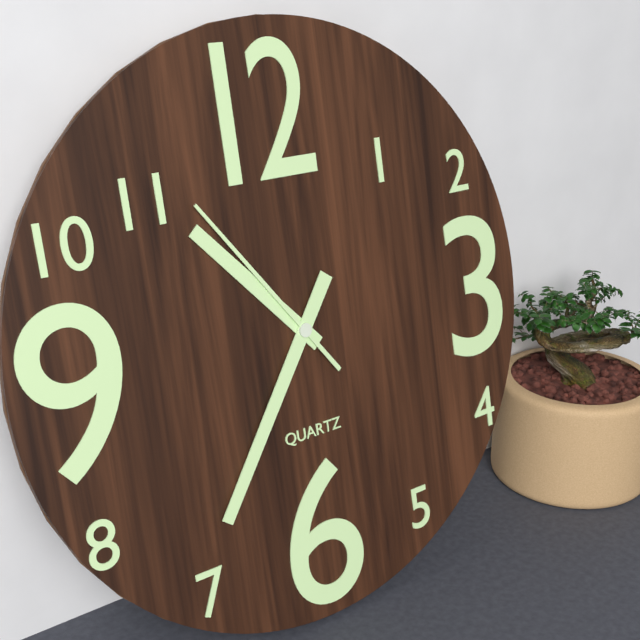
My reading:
10 h 36 min 54 s
